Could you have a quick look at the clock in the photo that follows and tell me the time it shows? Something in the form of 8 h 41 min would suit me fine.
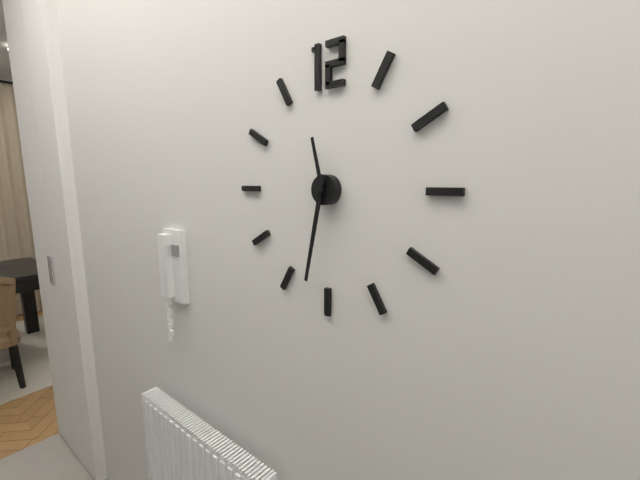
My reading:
11 h 32 min
